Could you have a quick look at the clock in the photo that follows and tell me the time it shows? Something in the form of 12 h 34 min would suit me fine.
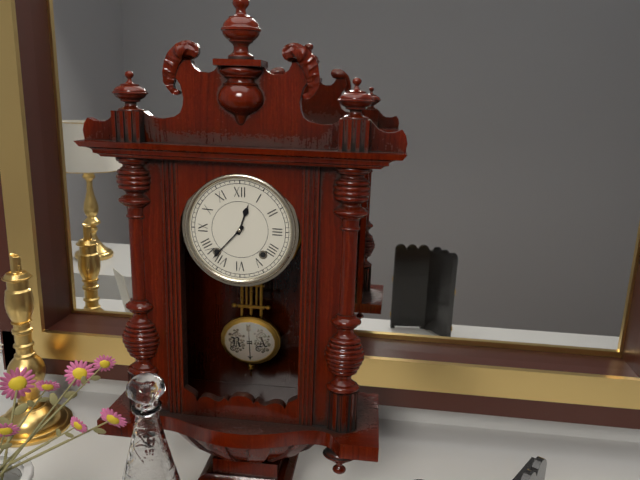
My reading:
12 h 37 min
